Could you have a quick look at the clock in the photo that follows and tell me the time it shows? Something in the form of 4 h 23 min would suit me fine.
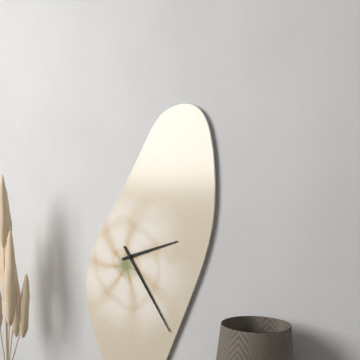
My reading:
2 h 24 min
